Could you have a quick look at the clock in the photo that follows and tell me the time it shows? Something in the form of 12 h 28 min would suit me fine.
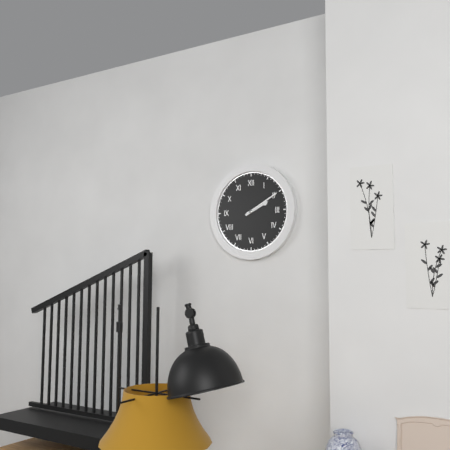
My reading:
2 h 10 min
